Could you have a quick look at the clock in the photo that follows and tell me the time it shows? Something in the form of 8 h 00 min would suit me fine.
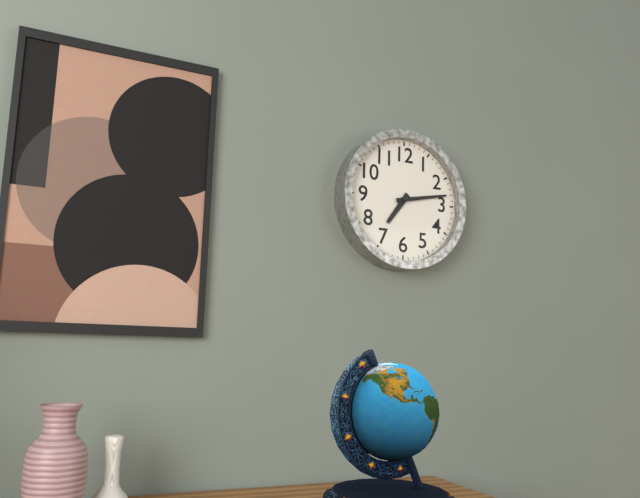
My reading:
7 h 13 min
